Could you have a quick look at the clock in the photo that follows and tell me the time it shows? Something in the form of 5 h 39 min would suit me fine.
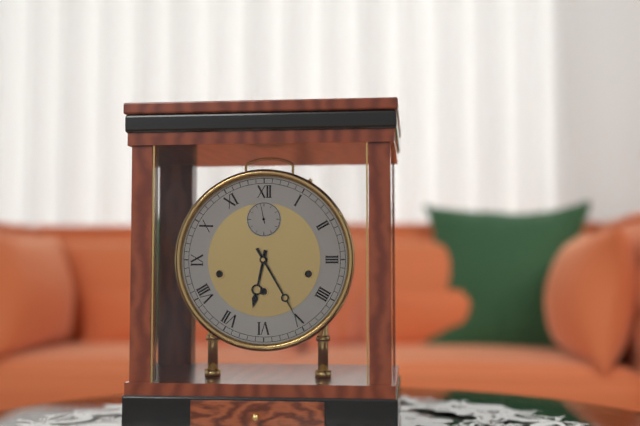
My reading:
6 h 25 min
